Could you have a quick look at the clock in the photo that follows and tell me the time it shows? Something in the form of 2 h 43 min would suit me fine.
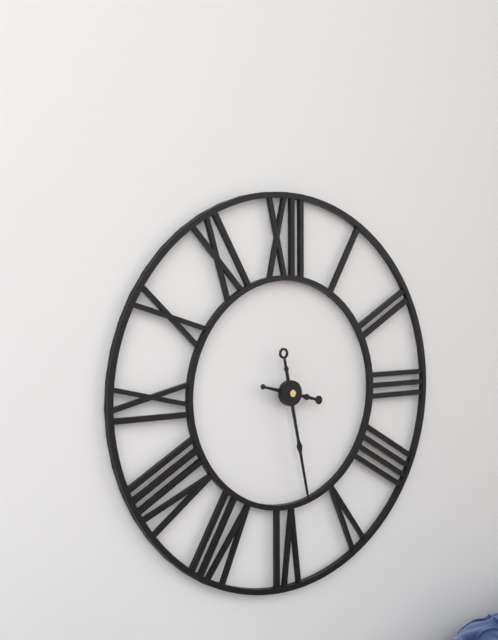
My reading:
3 h 28 min
